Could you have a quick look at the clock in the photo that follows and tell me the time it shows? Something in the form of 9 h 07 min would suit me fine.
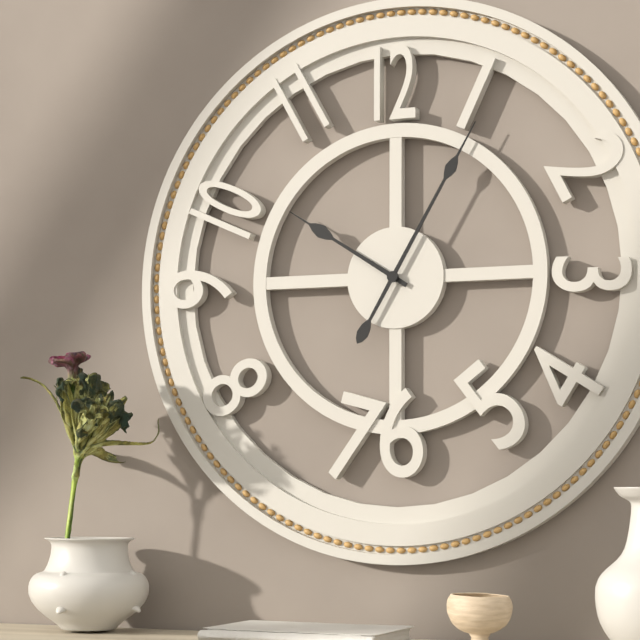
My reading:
10 h 05 min
